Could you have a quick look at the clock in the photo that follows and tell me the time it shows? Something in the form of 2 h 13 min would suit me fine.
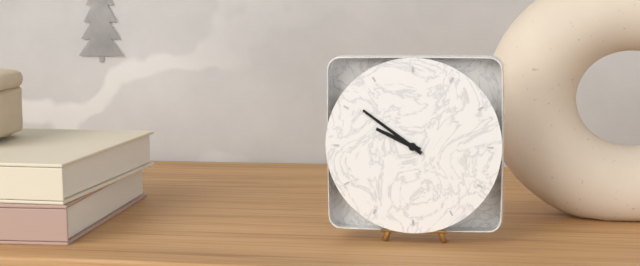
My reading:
9 h 51 min
